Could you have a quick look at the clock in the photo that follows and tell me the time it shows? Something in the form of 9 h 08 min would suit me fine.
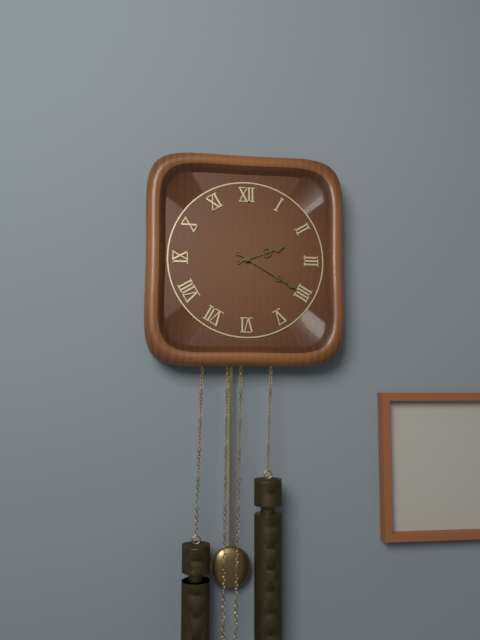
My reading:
2 h 20 min
